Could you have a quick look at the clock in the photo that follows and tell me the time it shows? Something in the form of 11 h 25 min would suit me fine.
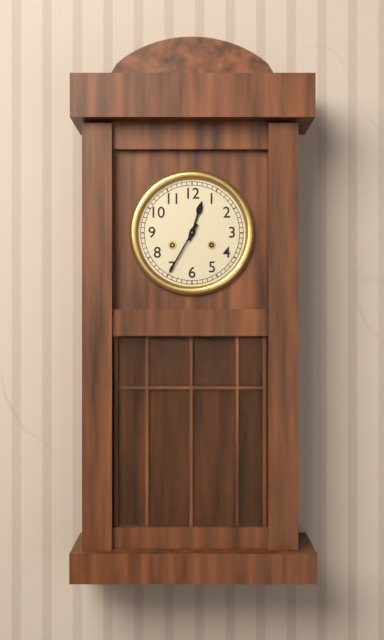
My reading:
12 h 35 min
